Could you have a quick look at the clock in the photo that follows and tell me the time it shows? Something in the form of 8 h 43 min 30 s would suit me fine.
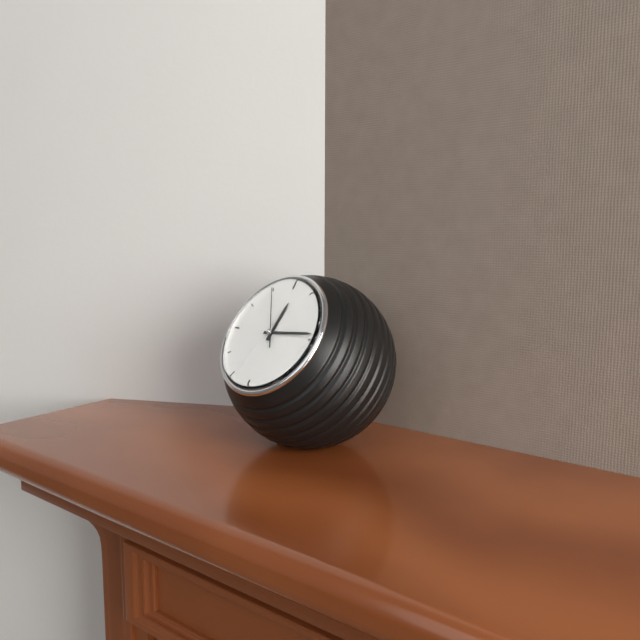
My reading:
12 h 14 min 55 s
